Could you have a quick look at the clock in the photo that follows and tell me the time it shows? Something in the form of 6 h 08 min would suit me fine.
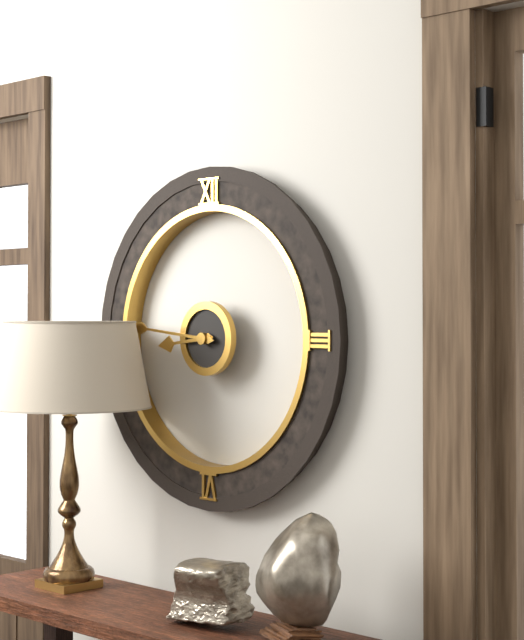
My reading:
8 h 46 min
